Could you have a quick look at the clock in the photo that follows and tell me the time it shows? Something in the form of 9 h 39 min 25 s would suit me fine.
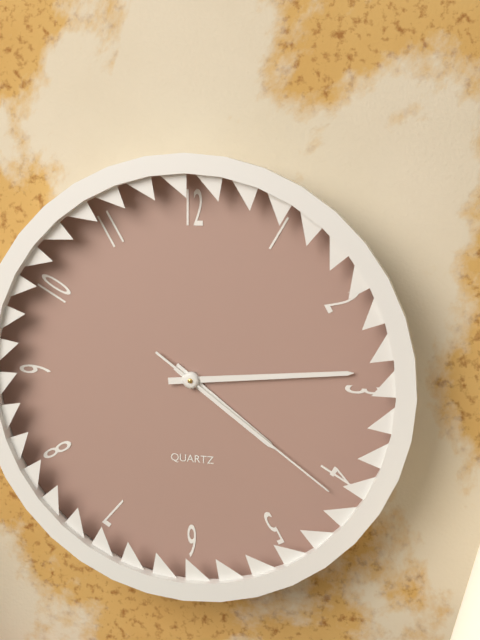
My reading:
4 h 14 min 21 s
